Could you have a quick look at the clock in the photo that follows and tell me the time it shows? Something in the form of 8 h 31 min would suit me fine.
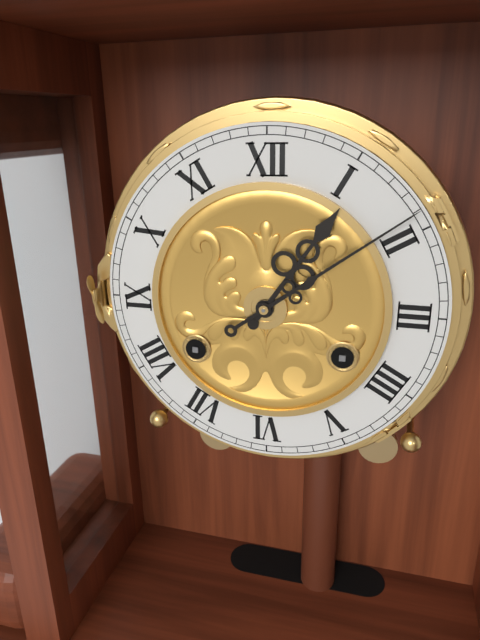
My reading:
1 h 09 min
